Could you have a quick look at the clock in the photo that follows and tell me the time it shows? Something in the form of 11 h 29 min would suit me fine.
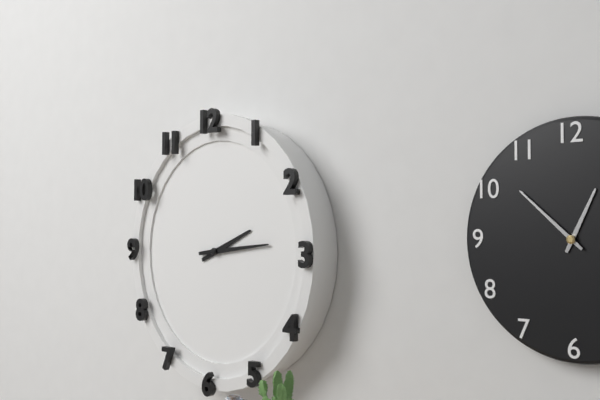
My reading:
2 h 14 min
